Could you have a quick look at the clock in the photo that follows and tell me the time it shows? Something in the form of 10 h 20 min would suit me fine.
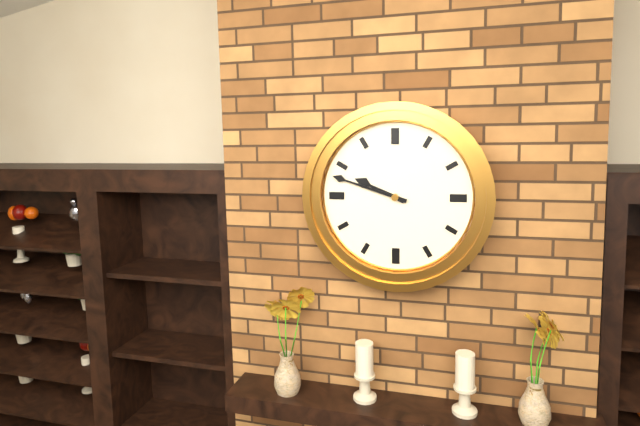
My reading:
9 h 48 min
